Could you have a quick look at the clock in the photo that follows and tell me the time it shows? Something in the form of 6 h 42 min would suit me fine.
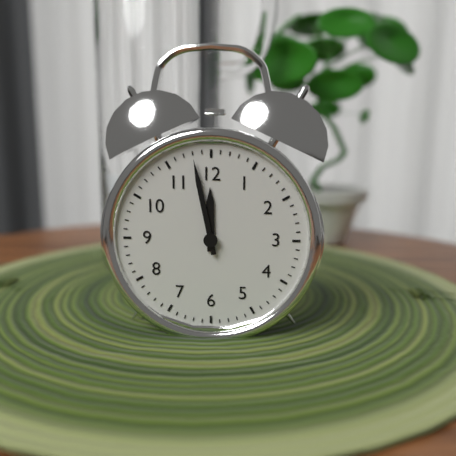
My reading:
11 h 58 min
